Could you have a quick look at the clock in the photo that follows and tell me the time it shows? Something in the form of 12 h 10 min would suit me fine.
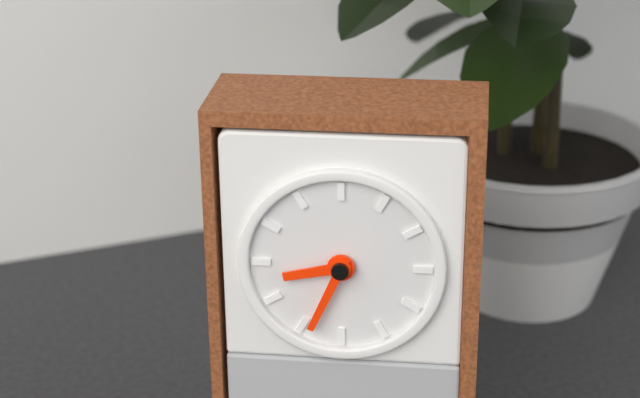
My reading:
8 h 34 min
